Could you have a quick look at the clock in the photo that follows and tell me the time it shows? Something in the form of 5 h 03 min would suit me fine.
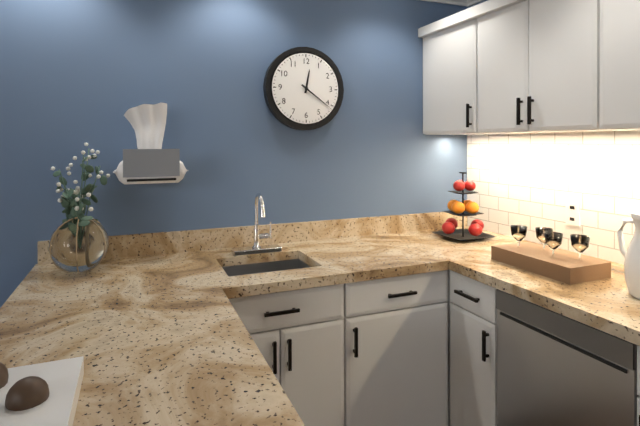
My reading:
12 h 21 min
